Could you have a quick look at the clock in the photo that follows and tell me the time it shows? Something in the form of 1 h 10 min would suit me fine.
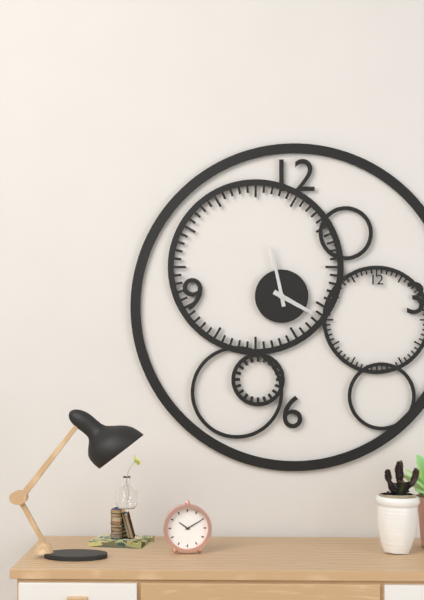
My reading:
3 h 58 min
